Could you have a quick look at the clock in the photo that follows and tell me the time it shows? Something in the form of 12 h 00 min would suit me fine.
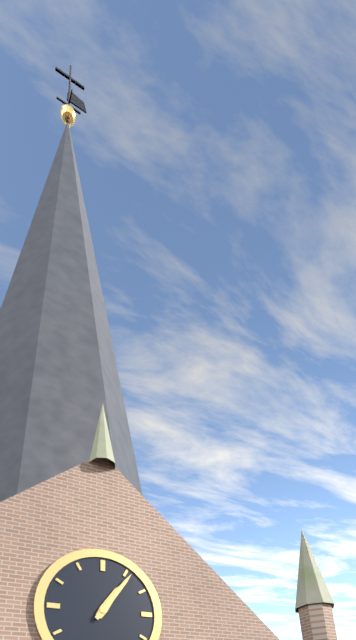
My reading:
1 h 06 min
